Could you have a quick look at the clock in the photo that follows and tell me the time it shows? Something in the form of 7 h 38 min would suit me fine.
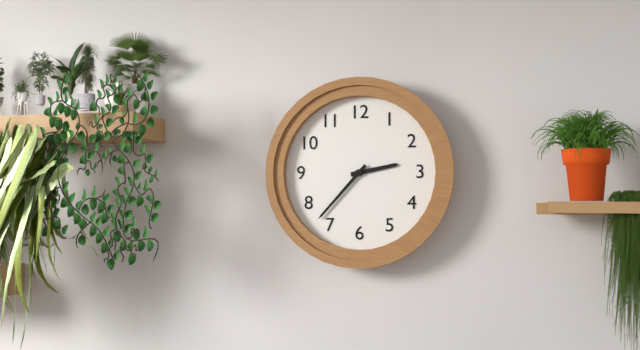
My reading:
2 h 37 min
